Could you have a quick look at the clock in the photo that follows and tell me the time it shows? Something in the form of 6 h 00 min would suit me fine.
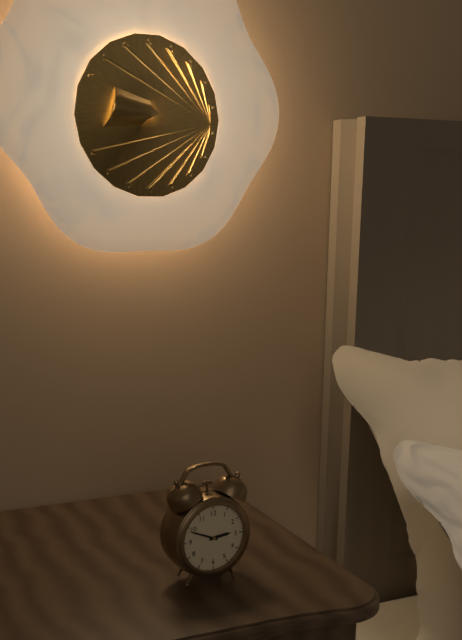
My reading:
2 h 49 min
